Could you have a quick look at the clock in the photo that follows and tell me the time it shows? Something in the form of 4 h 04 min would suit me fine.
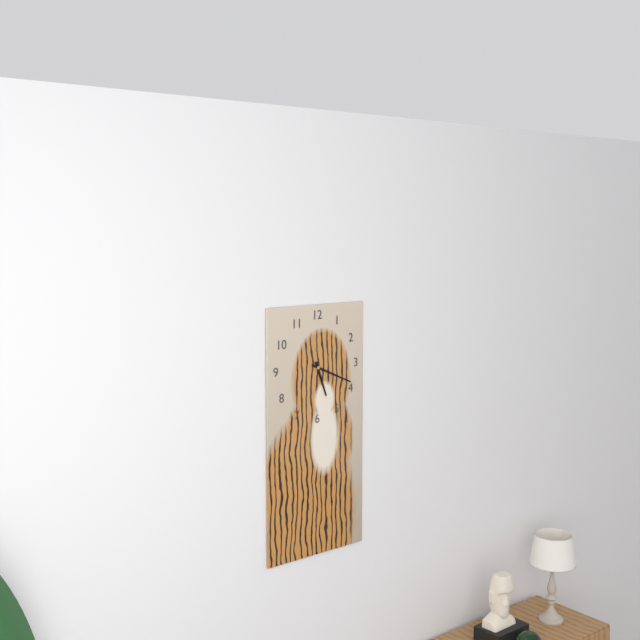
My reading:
5 h 19 min
